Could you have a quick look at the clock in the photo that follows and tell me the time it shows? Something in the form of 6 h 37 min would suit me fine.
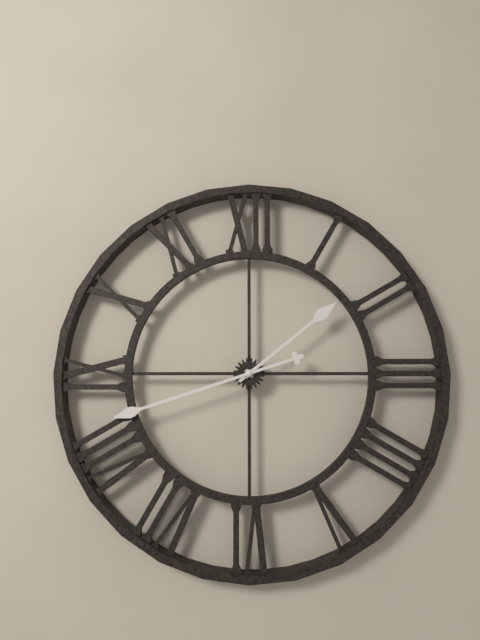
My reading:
1 h 42 min
